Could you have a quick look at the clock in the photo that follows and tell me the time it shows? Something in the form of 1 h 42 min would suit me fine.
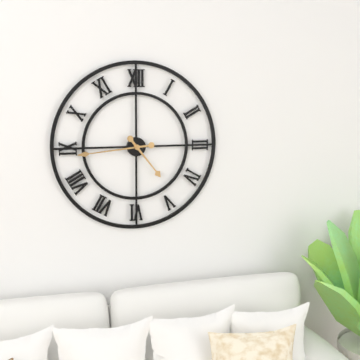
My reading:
4 h 44 min
